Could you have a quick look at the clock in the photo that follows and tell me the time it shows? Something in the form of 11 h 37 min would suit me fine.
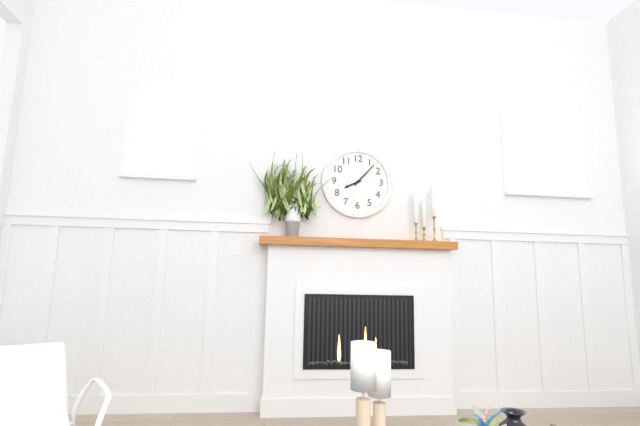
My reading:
8 h 07 min
